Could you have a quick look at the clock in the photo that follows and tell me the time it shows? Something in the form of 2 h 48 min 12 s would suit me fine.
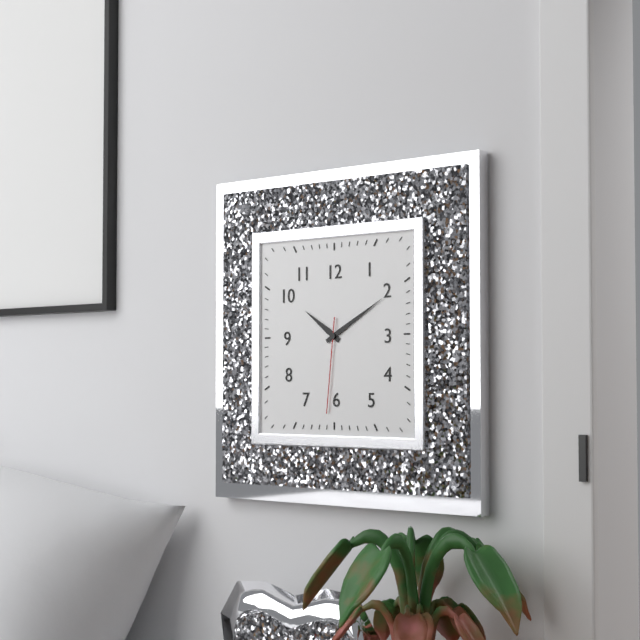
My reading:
10 h 10 min 31 s
